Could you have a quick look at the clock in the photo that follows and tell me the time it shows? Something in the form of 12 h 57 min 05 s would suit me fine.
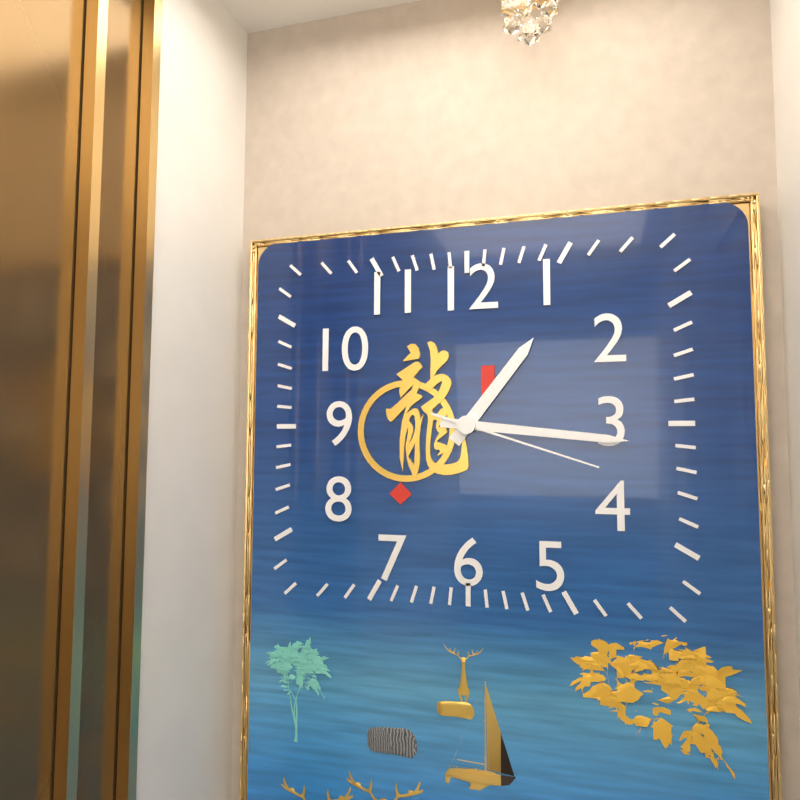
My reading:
1 h 16 min 18 s
